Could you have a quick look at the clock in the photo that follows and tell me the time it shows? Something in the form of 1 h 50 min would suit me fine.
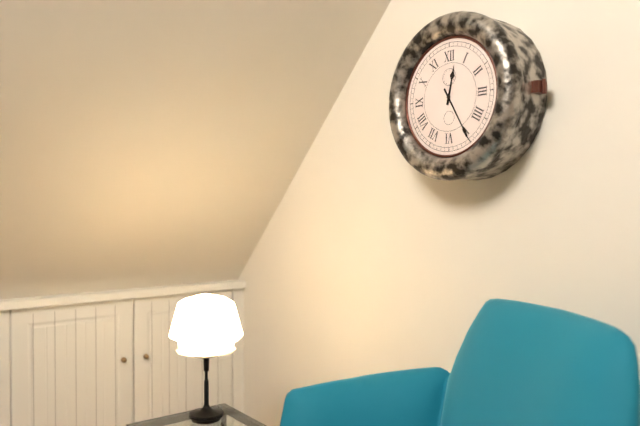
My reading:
12 h 25 min
